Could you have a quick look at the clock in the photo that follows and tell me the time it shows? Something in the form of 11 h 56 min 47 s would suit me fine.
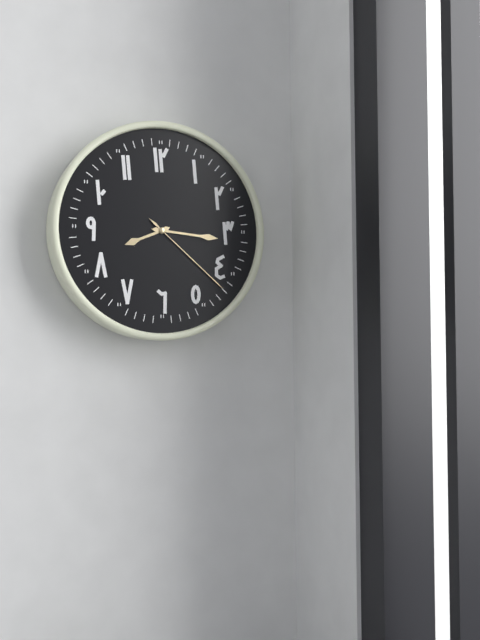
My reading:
8 h 16 min 22 s
